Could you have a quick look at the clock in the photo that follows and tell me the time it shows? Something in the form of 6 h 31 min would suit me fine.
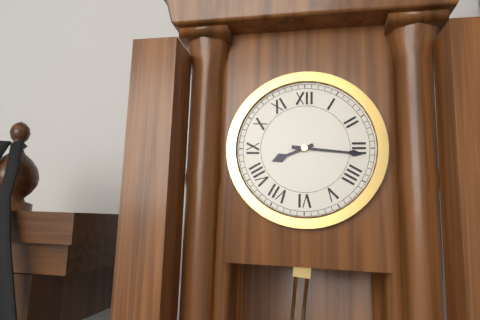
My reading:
8 h 16 min
